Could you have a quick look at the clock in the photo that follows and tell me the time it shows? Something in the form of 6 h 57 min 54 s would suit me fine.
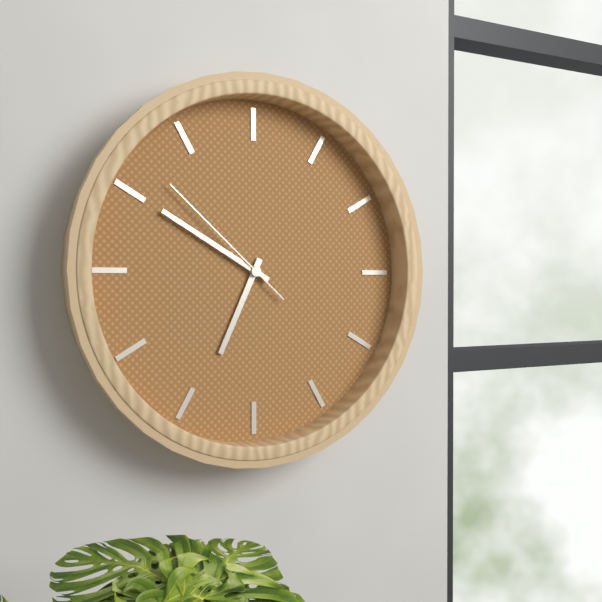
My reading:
6 h 50 min 52 s
